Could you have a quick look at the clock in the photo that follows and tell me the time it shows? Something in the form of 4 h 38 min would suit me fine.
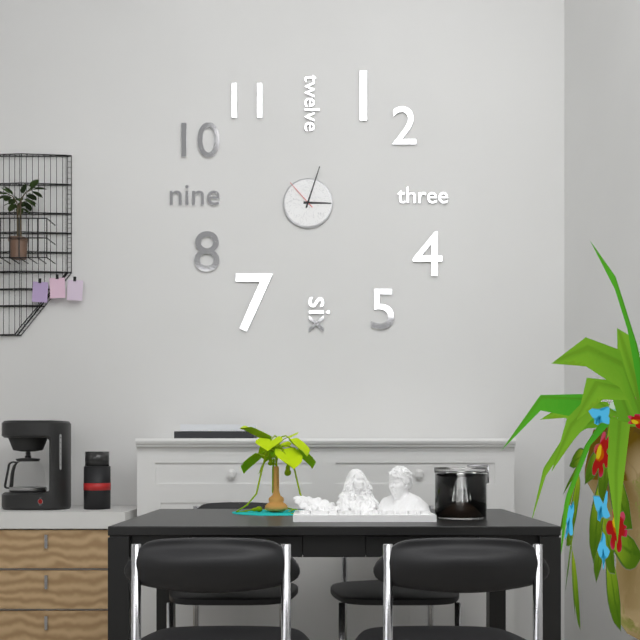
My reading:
3 h 03 min
